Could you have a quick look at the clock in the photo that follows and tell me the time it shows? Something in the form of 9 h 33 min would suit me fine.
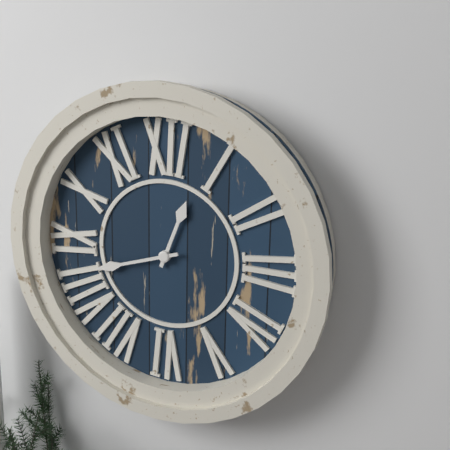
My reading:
12 h 42 min
